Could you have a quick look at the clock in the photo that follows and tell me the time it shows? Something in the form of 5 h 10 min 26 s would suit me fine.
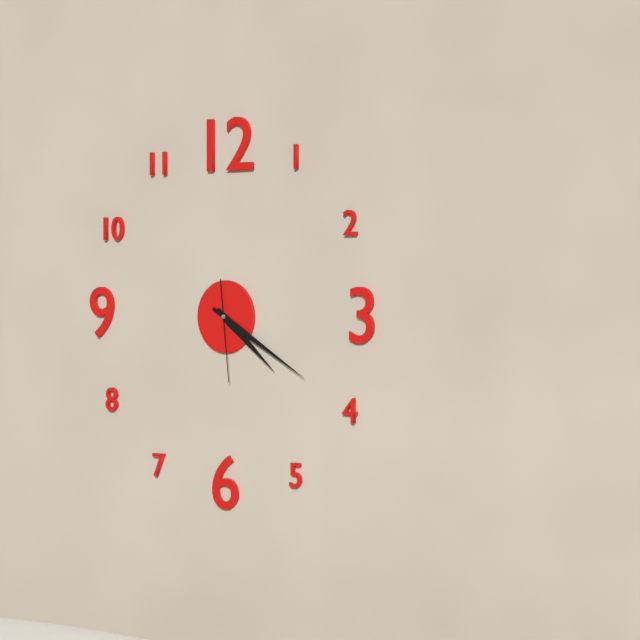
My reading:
4 h 20 min 29 s
